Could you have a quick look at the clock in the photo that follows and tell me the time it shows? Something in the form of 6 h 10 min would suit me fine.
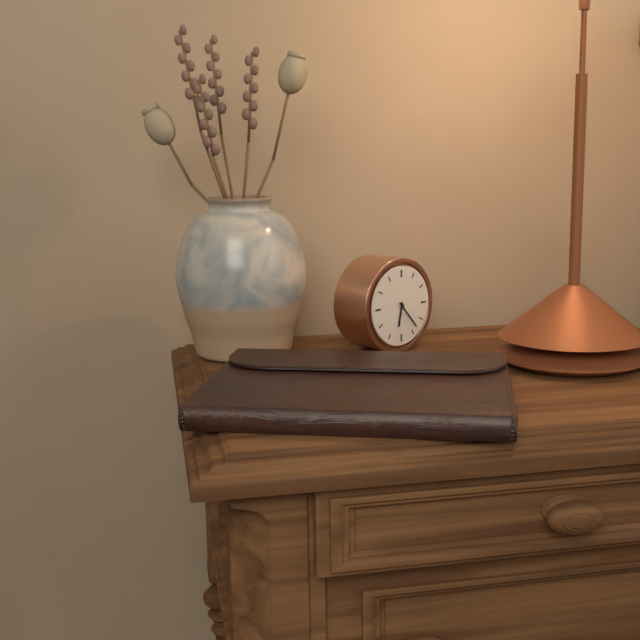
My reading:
6 h 23 min
